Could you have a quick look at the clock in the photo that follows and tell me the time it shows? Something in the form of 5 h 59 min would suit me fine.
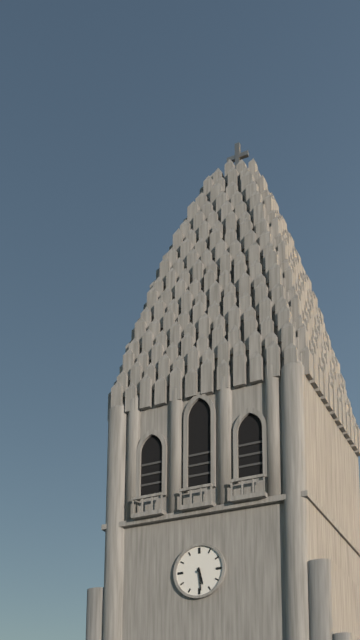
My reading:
5 h 29 min
